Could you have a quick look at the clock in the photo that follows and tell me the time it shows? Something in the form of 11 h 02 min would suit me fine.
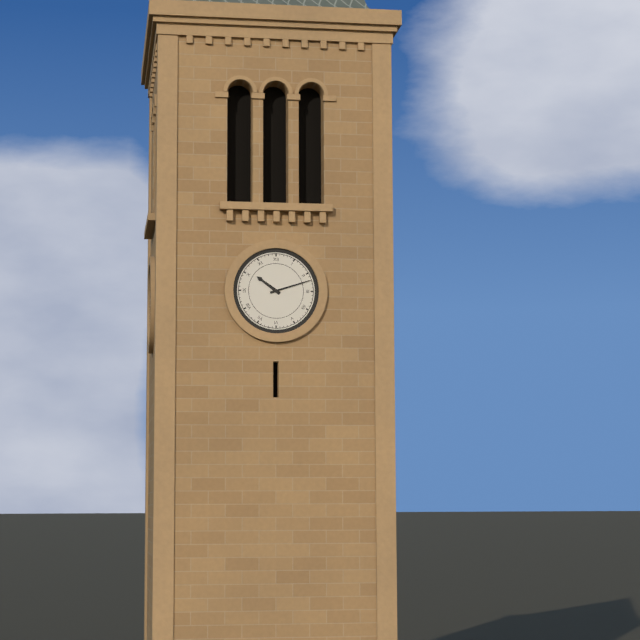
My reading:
10 h 12 min
